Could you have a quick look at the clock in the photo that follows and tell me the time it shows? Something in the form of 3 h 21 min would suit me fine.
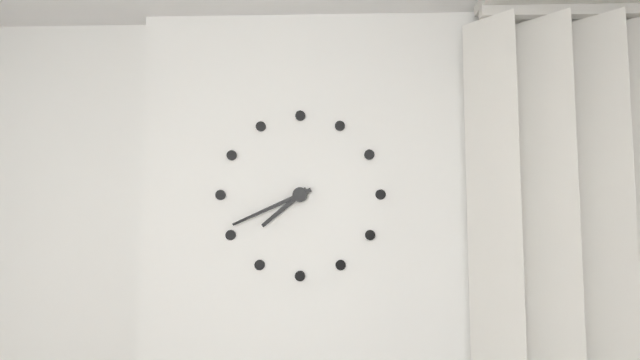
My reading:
7 h 41 min
